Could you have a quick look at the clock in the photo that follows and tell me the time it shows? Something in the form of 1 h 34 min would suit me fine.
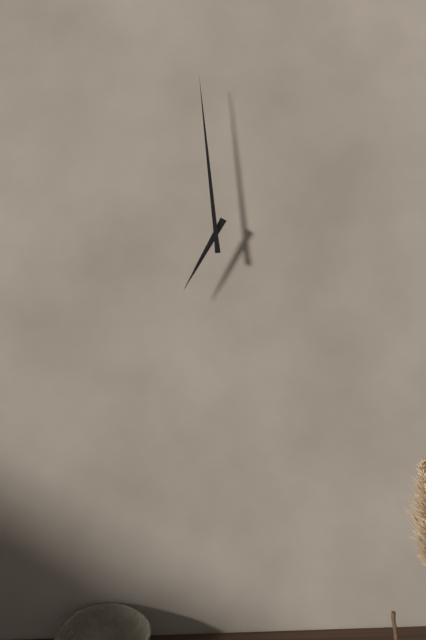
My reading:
6 h 59 min
